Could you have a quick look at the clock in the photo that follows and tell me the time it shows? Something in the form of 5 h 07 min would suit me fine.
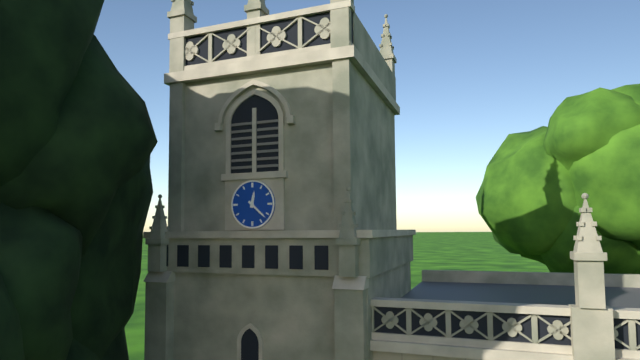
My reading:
12 h 22 min
